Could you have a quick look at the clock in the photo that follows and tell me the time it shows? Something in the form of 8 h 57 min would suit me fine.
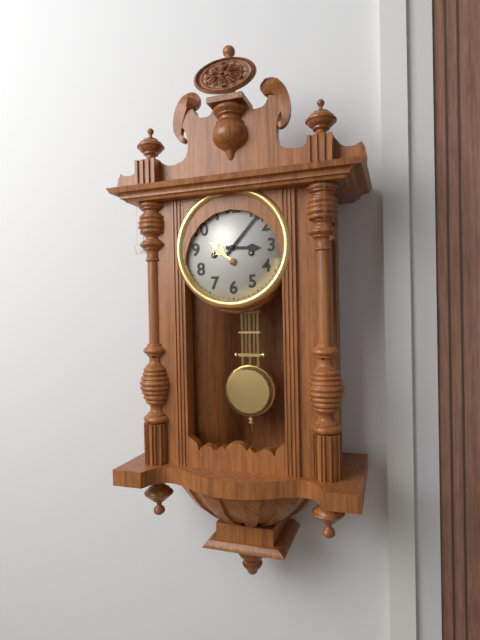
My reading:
3 h 07 min
